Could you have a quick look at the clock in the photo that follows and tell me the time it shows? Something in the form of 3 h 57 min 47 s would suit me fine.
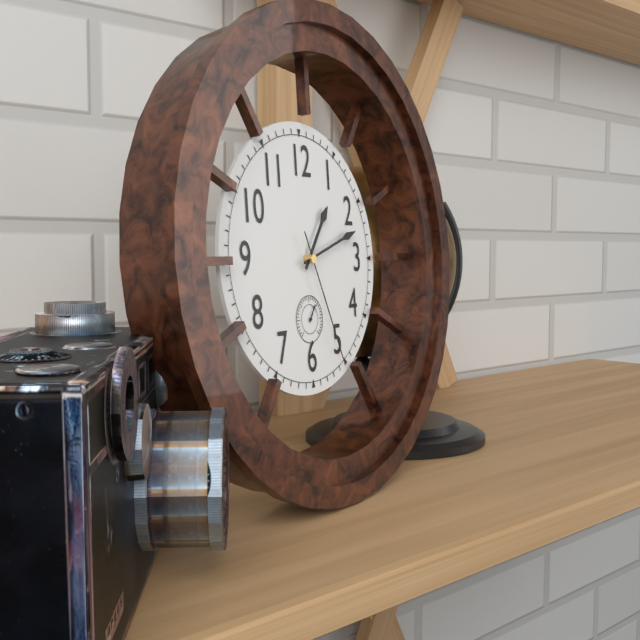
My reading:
1 h 12 min 26 s
